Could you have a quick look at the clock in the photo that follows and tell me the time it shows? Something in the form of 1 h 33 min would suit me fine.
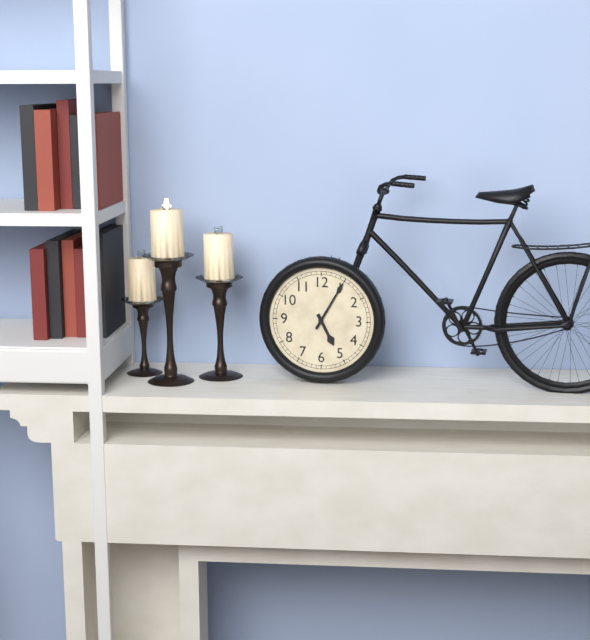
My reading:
5 h 05 min
